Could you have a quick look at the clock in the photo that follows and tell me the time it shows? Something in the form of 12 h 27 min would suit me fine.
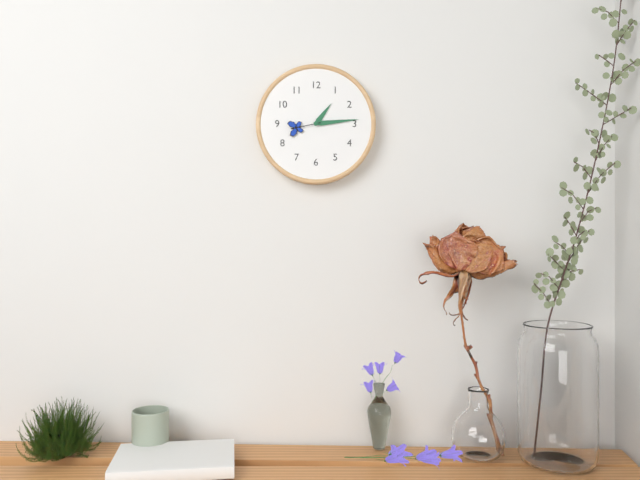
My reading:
1 h 14 min
